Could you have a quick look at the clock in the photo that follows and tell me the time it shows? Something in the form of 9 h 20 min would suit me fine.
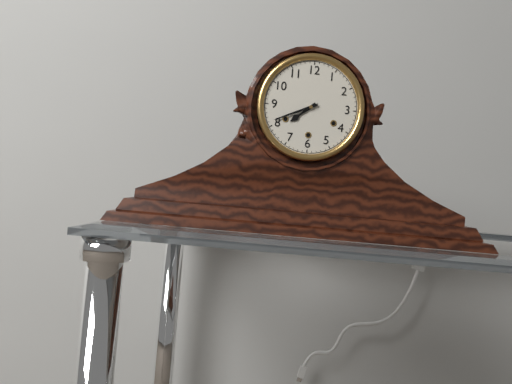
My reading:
7 h 41 min
